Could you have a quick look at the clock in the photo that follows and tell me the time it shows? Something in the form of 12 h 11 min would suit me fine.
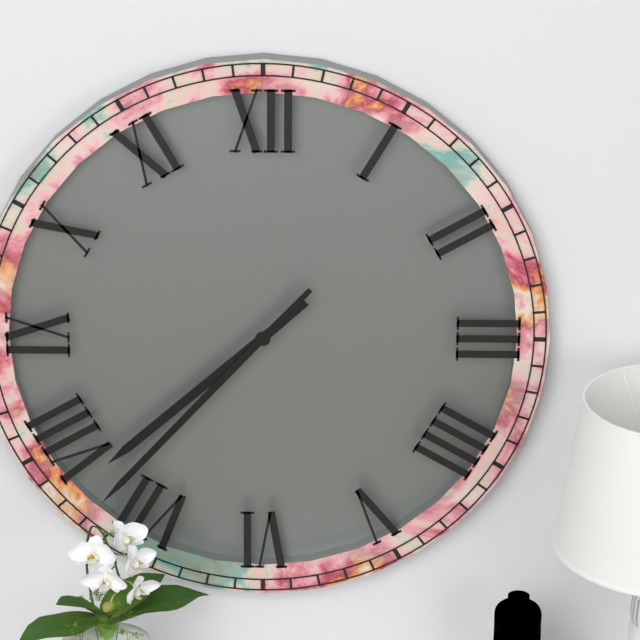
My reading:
7 h 37 min
